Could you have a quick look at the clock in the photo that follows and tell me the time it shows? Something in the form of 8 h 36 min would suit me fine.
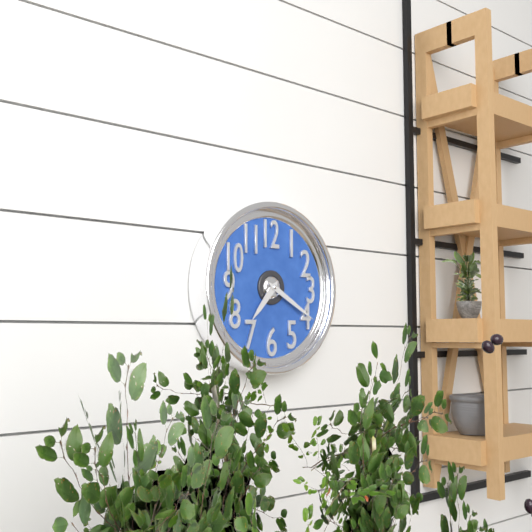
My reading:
7 h 20 min
